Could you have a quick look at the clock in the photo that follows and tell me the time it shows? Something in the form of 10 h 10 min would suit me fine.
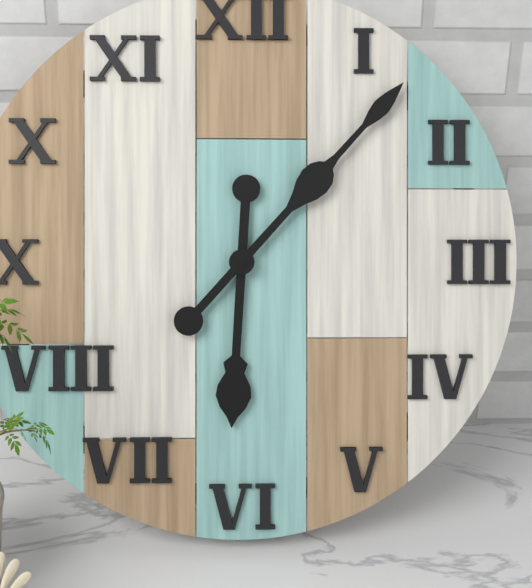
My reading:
6 h 07 min
